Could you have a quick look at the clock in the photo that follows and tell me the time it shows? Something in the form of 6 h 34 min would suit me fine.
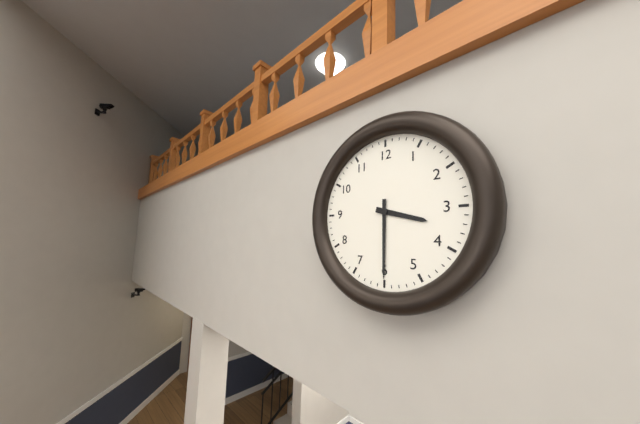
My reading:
3 h 30 min
